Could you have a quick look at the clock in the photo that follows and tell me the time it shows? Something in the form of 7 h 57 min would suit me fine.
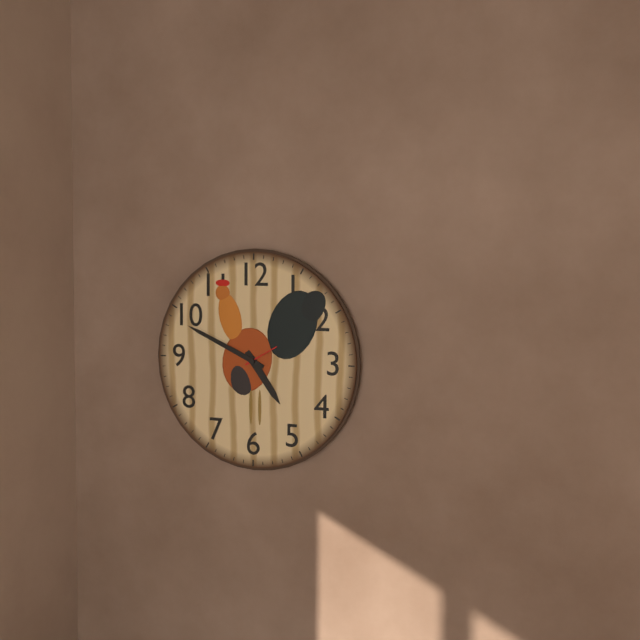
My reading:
4 h 49 min
